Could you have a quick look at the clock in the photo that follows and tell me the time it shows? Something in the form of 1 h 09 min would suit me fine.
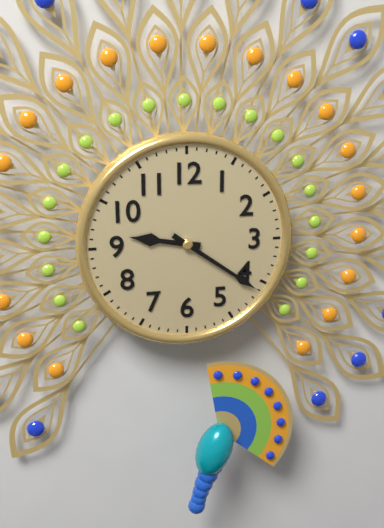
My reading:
9 h 21 min
